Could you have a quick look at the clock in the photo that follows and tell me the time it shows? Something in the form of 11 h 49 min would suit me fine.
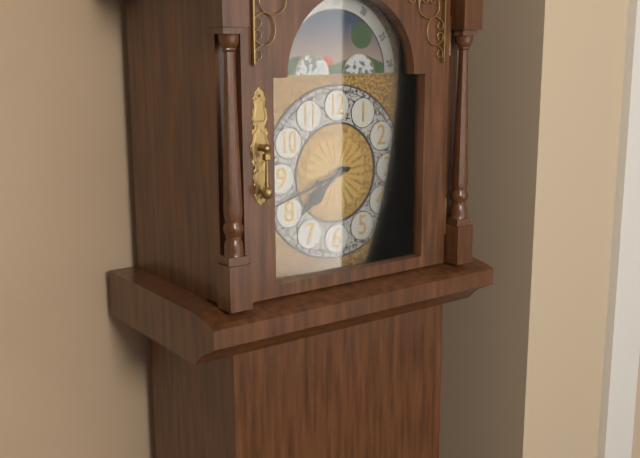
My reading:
7 h 42 min
